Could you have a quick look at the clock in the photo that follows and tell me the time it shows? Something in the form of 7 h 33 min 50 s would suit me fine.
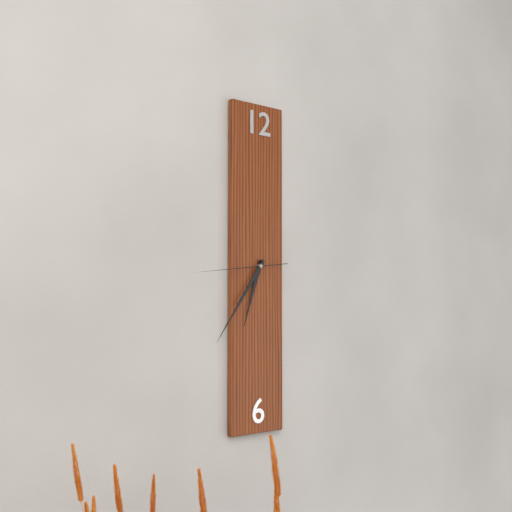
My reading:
6 h 36 min 44 s
